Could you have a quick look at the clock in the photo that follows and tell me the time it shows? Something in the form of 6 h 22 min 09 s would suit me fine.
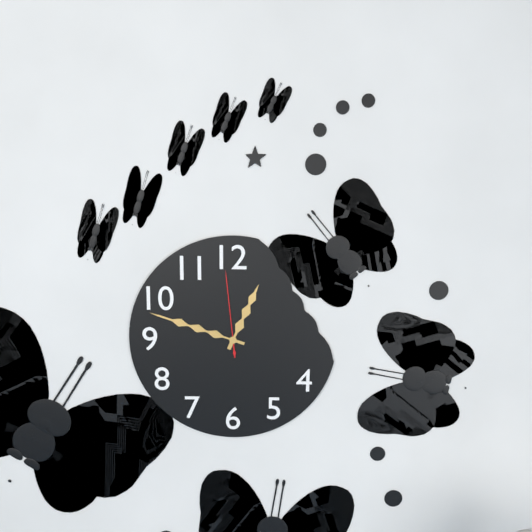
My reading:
12 h 48 min 59 s
